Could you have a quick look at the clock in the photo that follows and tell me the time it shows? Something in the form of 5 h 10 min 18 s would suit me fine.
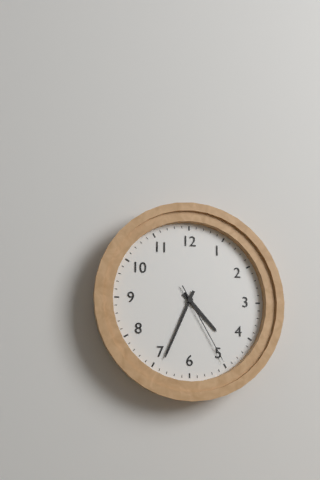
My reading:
4 h 34 min 25 s
